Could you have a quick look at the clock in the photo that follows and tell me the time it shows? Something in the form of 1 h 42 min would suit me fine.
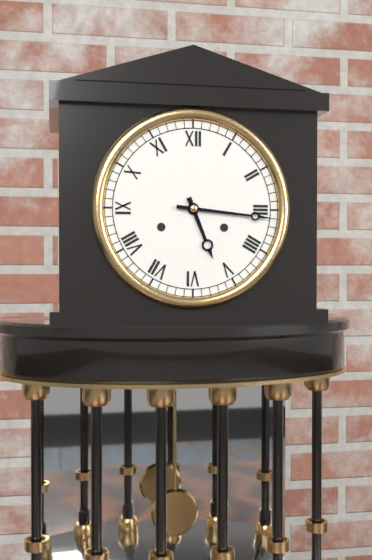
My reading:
5 h 16 min
